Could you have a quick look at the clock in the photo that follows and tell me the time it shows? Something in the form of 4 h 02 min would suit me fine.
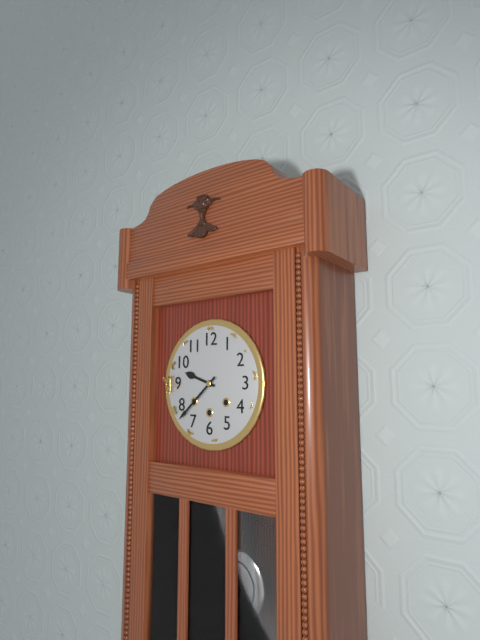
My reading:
9 h 38 min
